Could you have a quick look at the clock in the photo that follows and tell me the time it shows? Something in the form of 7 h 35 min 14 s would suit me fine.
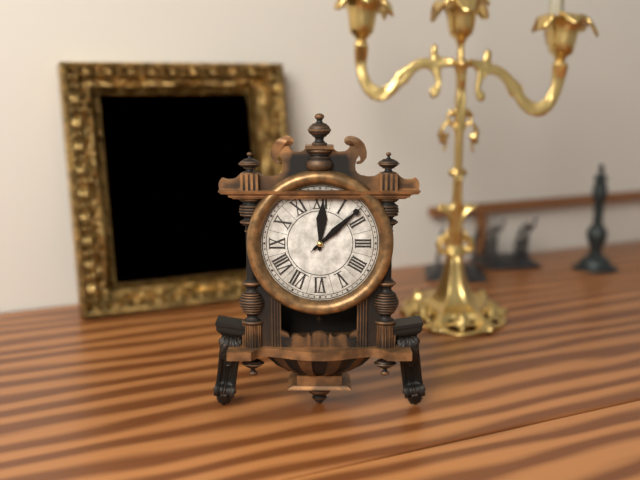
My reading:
12 h 08 min 08 s
